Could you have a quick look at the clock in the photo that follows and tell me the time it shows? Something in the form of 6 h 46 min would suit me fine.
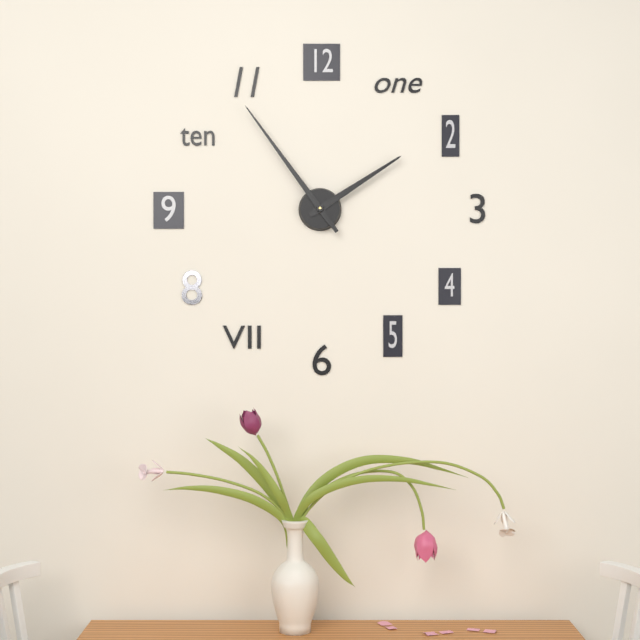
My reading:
1 h 54 min
